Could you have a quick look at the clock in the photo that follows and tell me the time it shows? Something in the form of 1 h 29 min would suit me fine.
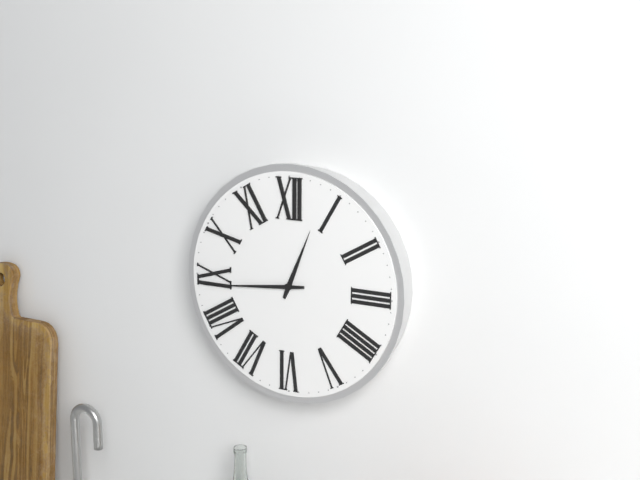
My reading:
12 h 44 min
